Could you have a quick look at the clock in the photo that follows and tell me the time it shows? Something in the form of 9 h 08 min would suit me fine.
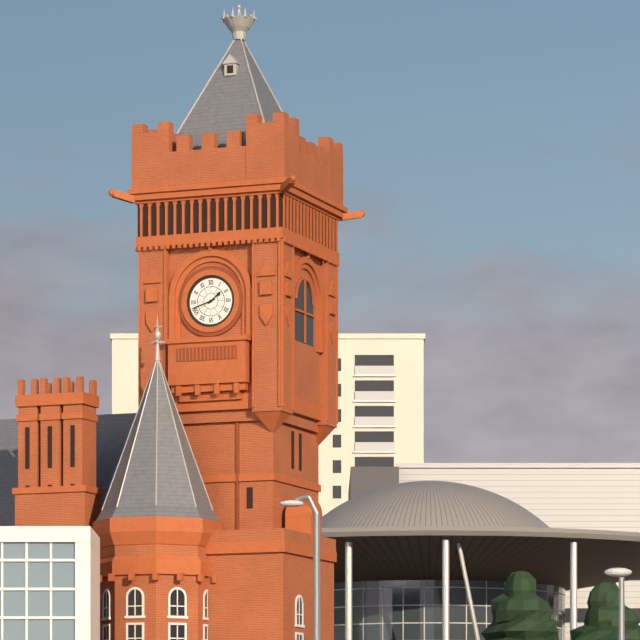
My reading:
1 h 42 min
